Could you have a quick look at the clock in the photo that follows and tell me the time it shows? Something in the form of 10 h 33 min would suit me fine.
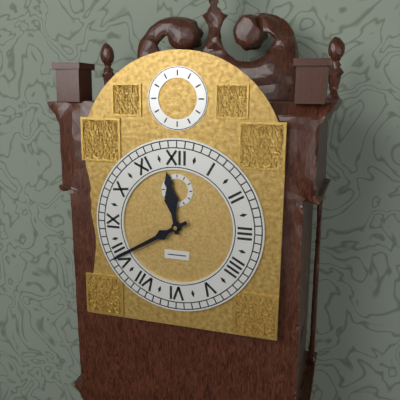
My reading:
11 h 40 min
